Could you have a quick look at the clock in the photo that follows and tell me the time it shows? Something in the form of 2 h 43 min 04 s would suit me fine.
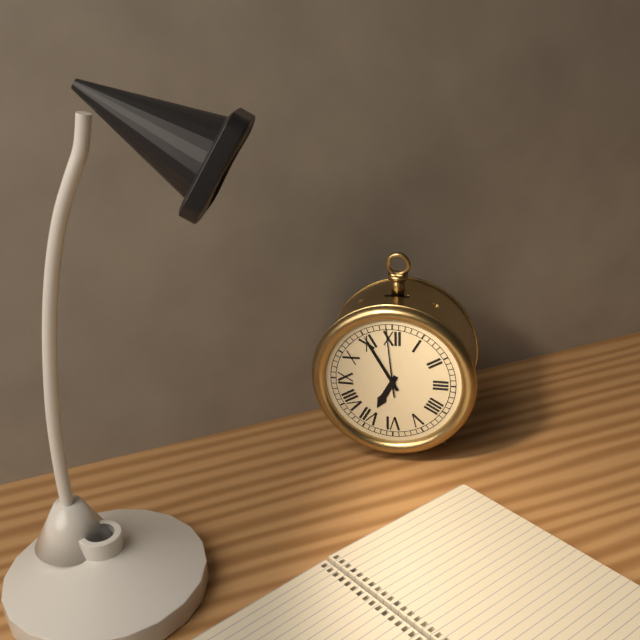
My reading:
6 h 55 min 59 s
